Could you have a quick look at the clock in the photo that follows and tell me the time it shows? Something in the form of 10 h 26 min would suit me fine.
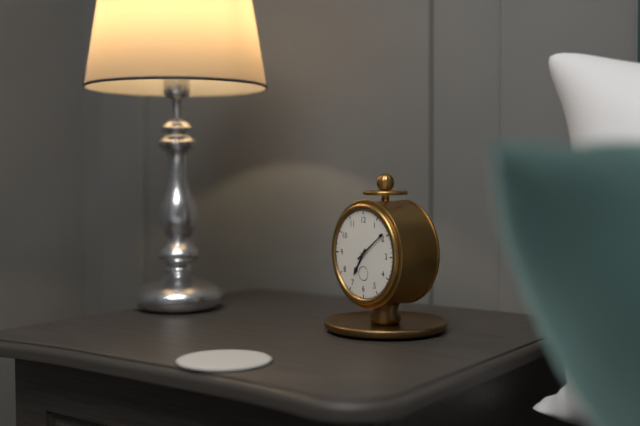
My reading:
7 h 09 min
